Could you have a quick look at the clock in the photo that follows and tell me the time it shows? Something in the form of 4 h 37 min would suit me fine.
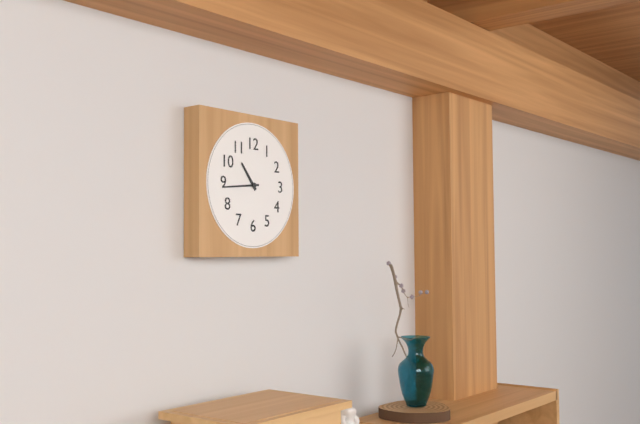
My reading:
10 h 44 min
